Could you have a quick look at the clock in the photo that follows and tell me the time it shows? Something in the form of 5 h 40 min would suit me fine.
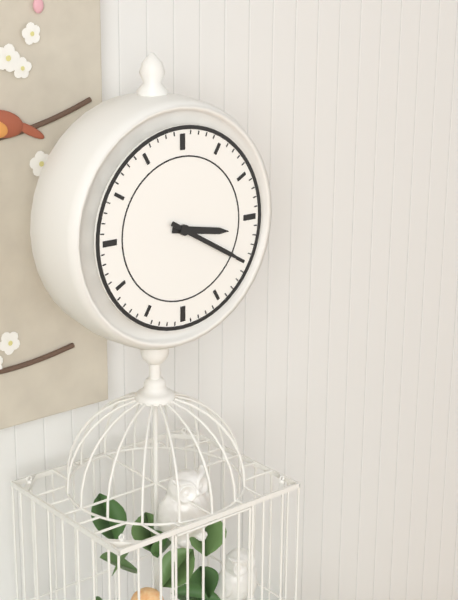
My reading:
3 h 20 min
